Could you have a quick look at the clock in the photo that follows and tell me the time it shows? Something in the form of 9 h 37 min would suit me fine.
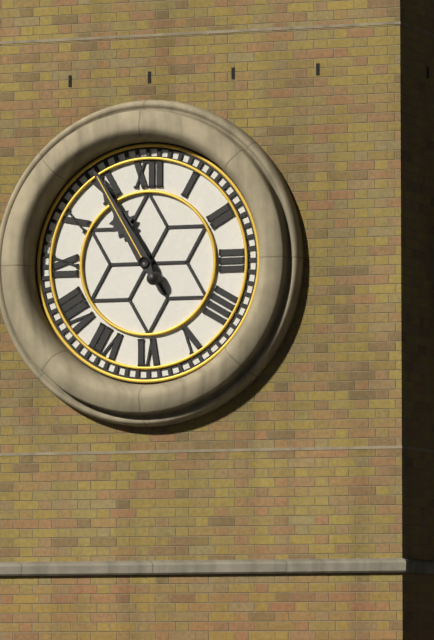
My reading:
10 h 55 min
